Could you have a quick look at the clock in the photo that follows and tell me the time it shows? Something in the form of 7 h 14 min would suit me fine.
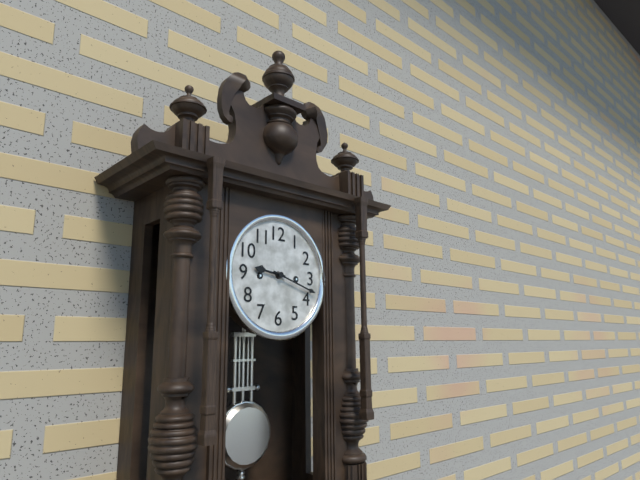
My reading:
9 h 18 min
